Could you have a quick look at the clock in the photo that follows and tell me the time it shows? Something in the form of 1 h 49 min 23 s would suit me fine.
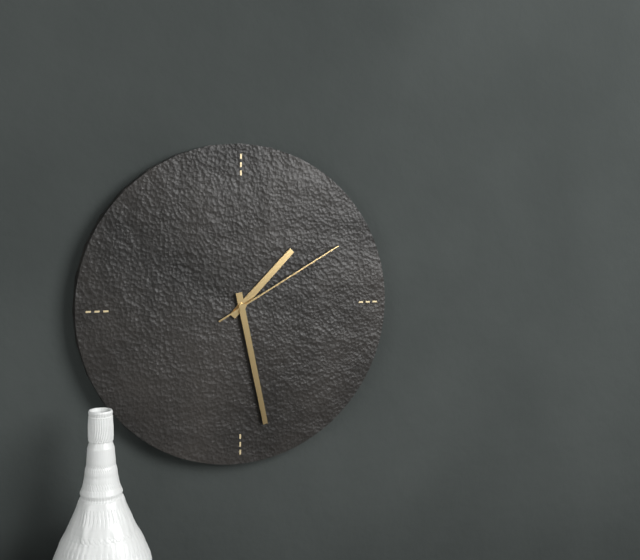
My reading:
1 h 28 min 10 s
